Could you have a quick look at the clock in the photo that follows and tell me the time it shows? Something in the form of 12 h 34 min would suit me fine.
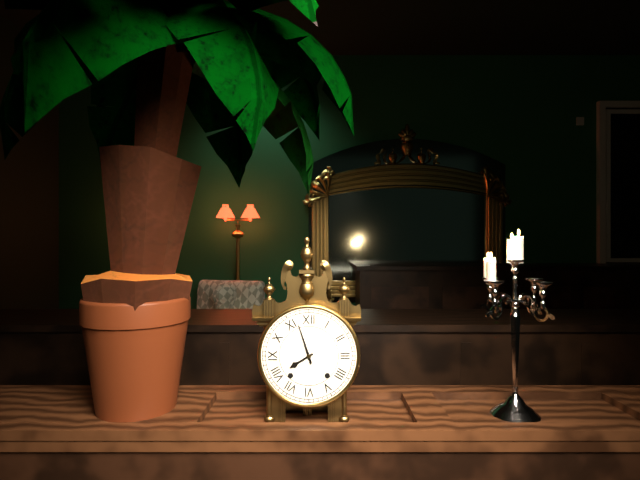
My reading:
7 h 57 min
